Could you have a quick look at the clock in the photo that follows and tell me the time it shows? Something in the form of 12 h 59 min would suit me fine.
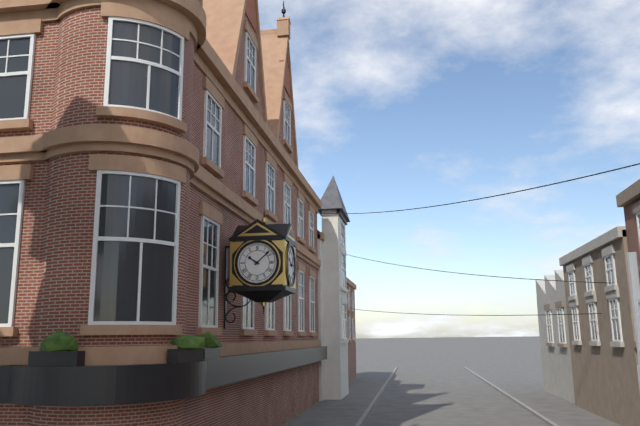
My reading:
10 h 08 min
